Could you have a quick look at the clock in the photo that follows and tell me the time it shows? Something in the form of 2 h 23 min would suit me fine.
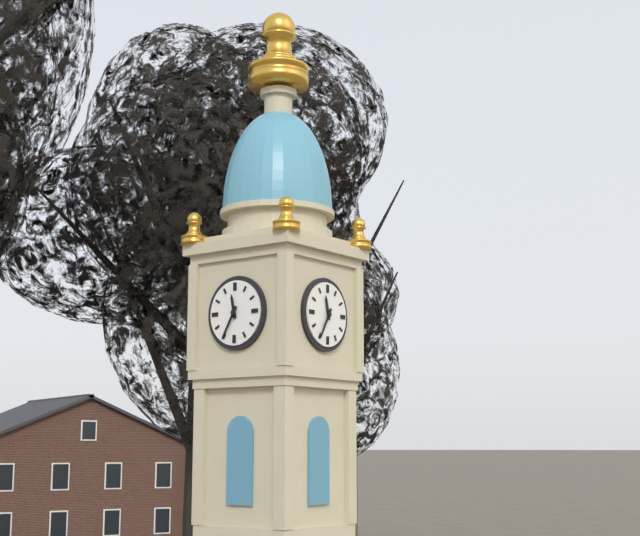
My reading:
11 h 35 min
